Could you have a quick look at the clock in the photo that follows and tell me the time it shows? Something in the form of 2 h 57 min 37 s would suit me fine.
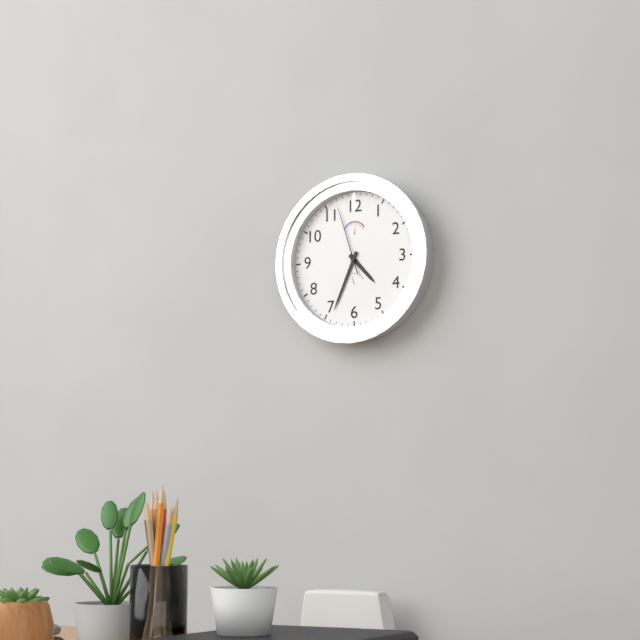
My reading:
4 h 34 min 57 s
